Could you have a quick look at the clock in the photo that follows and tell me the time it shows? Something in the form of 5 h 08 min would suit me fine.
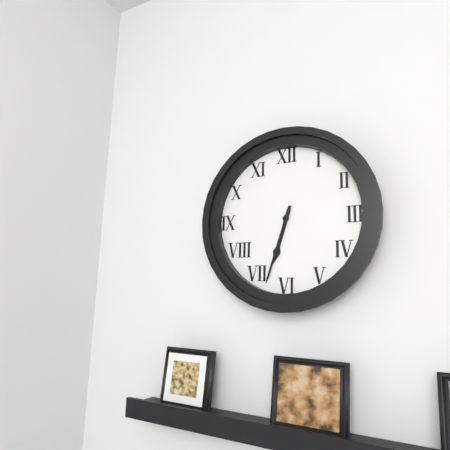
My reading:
6 h 33 min
